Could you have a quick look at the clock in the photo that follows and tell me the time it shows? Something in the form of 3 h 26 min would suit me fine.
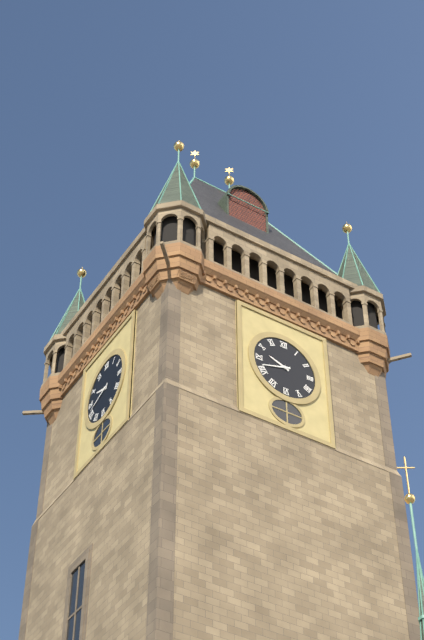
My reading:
9 h 42 min
